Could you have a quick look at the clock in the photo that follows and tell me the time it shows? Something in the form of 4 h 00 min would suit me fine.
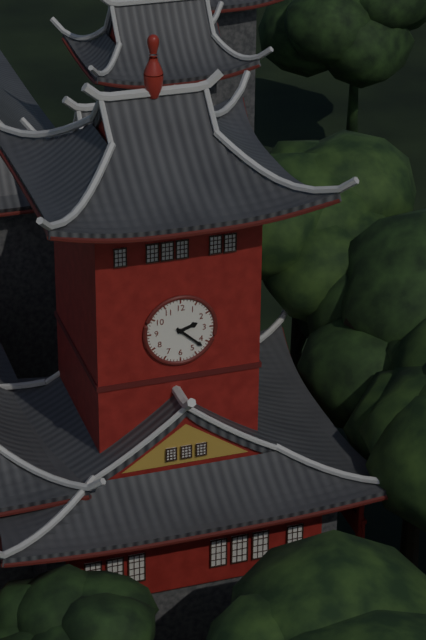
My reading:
2 h 22 min
